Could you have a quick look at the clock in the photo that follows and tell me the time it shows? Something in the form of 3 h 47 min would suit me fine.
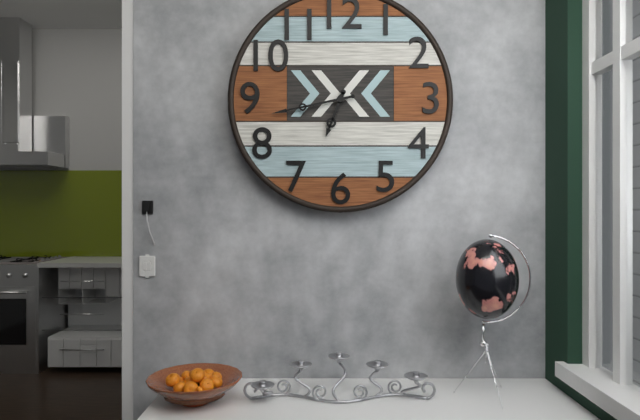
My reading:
6 h 43 min
